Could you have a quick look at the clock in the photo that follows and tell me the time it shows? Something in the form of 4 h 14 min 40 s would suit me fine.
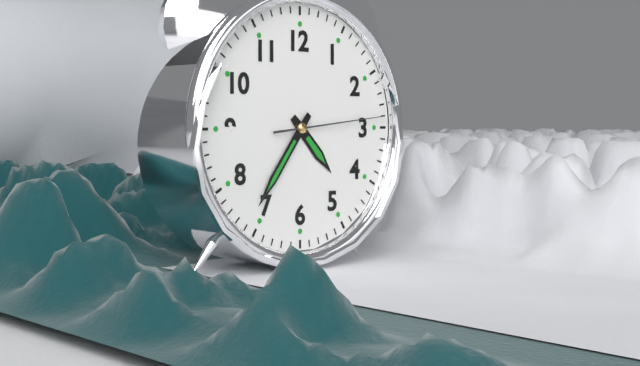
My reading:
4 h 36 min 14 s
